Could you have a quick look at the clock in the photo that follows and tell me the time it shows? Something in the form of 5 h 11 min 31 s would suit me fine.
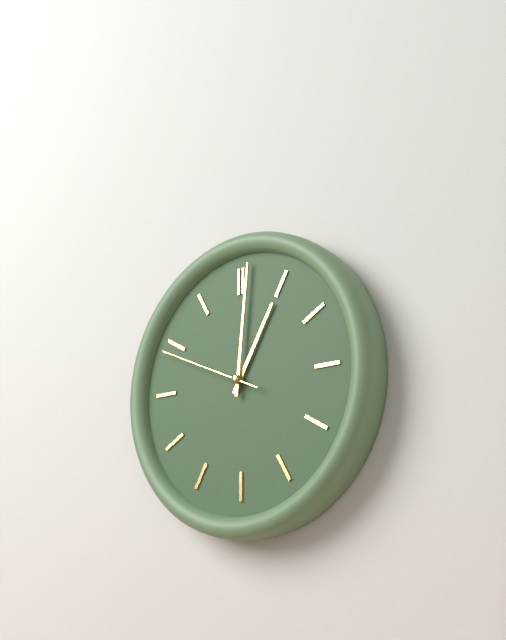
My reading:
1 h 01 min 49 s
